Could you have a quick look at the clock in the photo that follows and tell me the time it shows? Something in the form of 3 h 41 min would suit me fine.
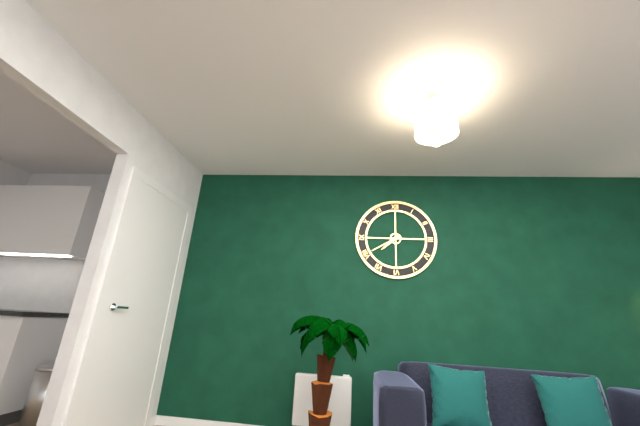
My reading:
7 h 40 min
